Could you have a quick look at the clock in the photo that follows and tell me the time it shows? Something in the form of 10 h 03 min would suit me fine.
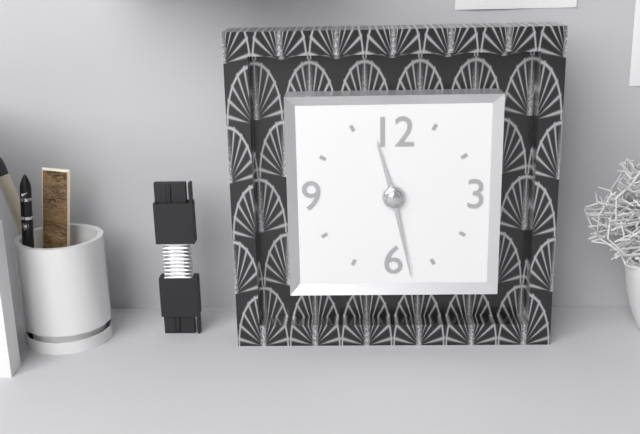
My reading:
11 h 28 min
